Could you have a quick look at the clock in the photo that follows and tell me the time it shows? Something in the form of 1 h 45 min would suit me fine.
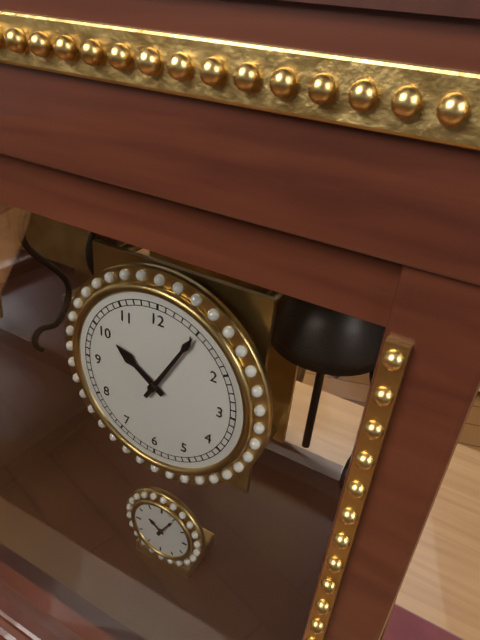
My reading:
10 h 05 min
